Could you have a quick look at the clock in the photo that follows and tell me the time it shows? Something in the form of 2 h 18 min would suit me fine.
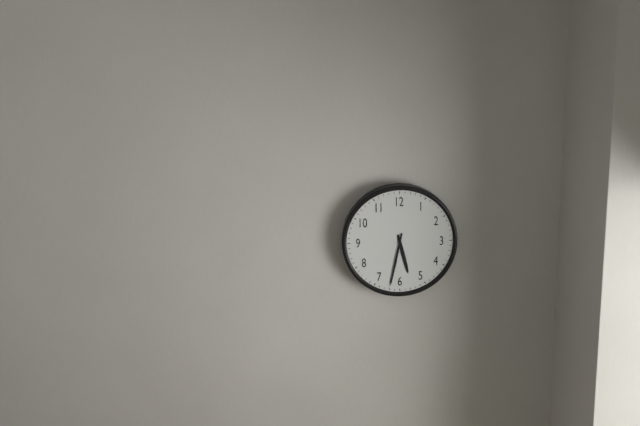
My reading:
5 h 32 min
